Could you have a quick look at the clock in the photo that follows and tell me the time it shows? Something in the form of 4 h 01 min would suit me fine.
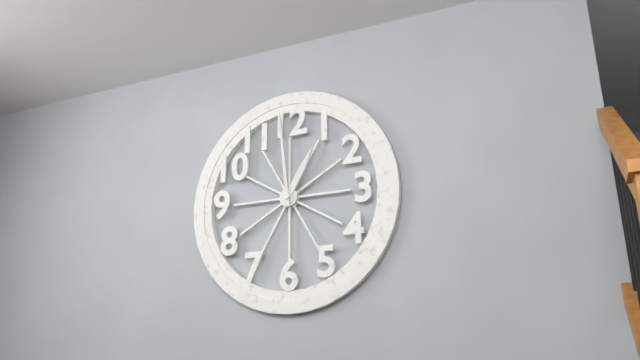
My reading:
12 h 59 min
